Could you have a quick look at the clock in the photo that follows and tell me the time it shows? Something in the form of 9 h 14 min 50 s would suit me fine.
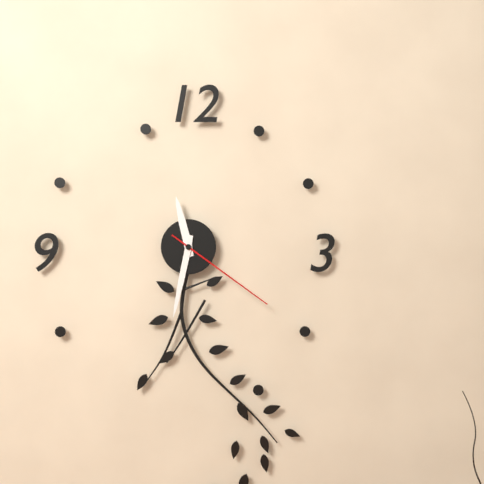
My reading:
11 h 32 min 21 s
